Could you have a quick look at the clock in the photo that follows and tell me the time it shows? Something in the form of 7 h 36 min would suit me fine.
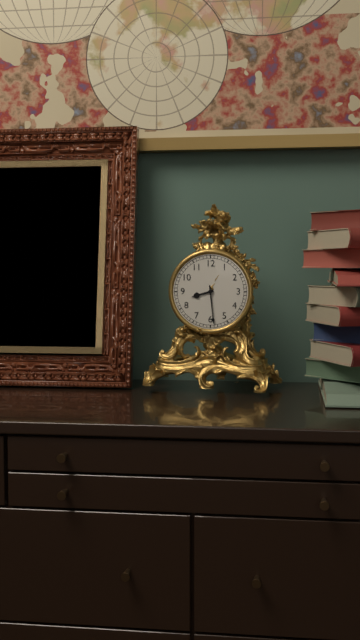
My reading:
8 h 29 min
